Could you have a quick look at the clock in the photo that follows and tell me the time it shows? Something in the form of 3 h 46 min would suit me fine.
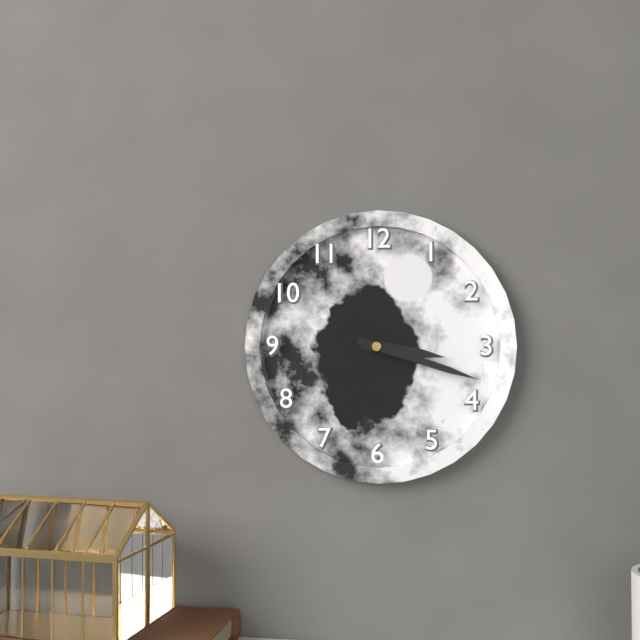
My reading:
3 h 18 min
